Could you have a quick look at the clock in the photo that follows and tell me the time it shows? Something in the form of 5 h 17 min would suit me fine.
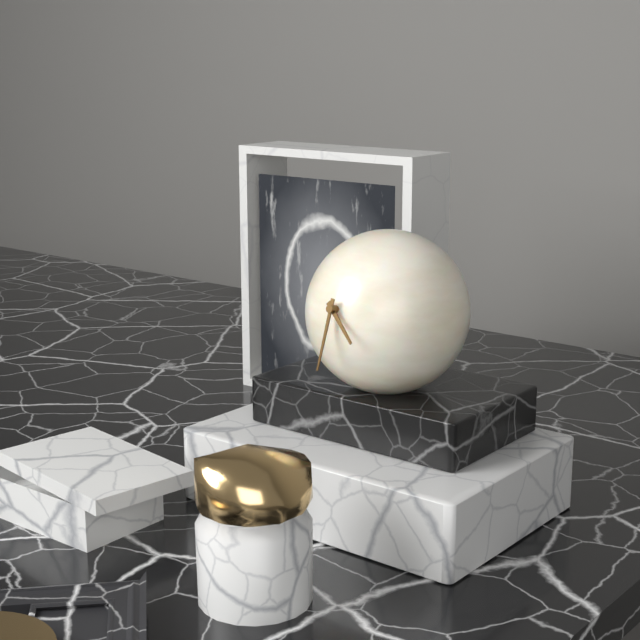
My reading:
4 h 31 min
